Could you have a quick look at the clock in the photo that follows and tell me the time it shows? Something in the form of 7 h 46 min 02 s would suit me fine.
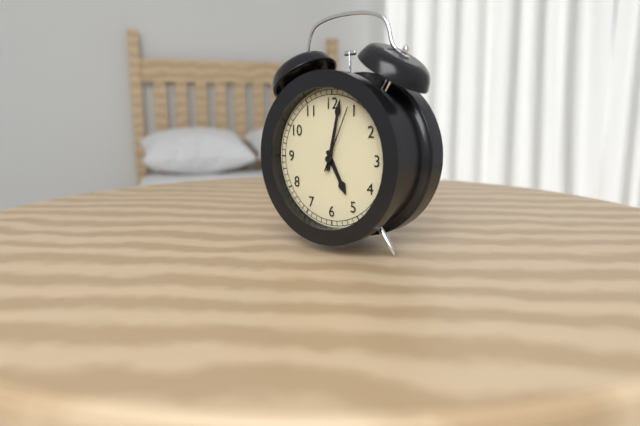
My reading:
5 h 02 min 04 s
